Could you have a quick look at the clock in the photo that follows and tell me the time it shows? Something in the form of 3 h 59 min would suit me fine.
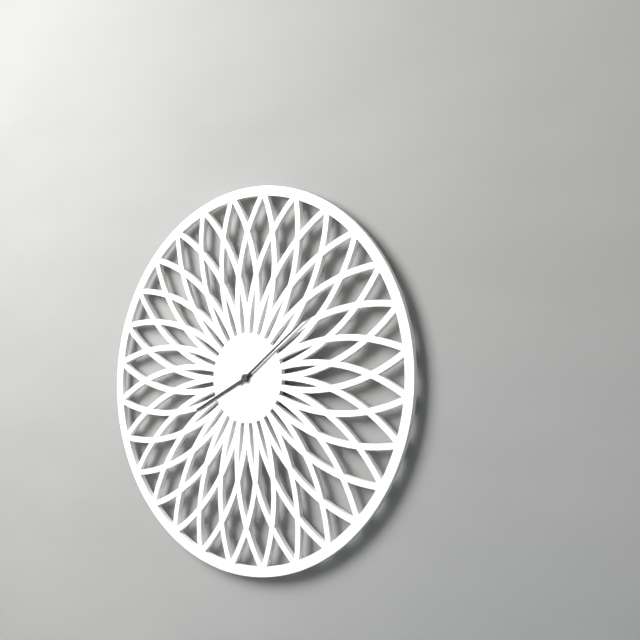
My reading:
8 h 09 min
